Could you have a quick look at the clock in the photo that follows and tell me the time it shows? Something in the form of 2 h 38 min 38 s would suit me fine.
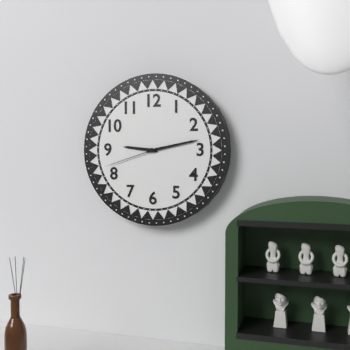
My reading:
9 h 13 min 42 s
